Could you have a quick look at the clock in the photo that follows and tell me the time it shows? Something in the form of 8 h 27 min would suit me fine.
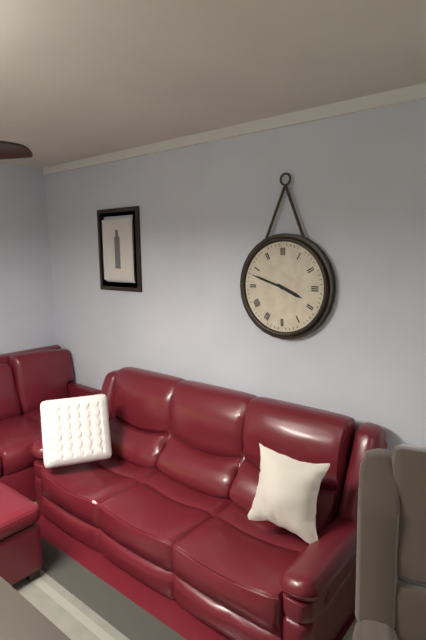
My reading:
3 h 48 min
